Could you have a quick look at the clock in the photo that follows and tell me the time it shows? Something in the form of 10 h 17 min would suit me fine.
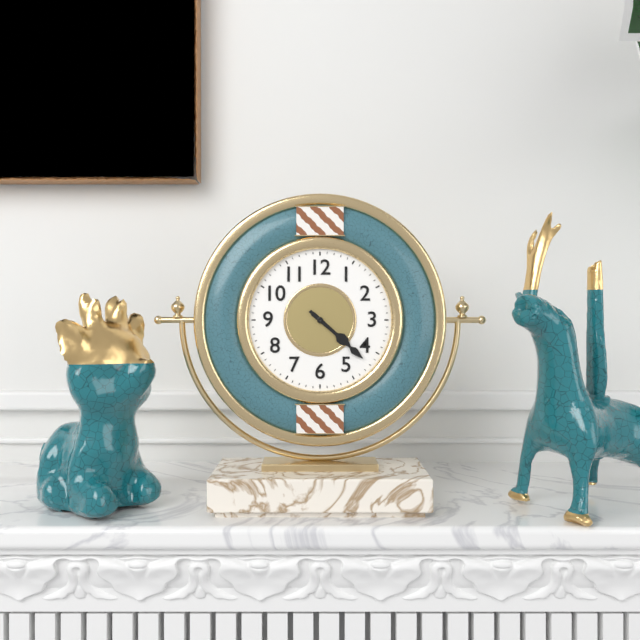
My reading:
4 h 22 min
